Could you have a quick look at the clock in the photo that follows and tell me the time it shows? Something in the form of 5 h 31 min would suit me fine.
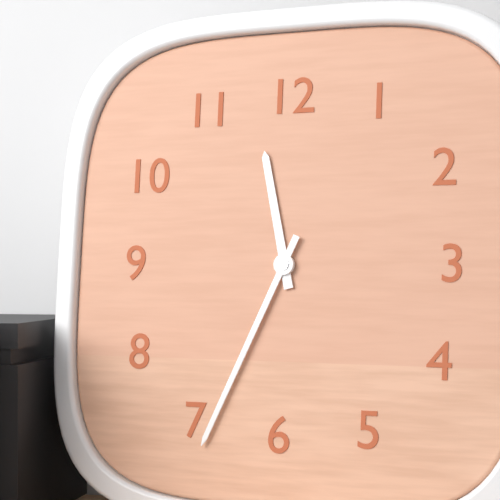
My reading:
11 h 34 min
